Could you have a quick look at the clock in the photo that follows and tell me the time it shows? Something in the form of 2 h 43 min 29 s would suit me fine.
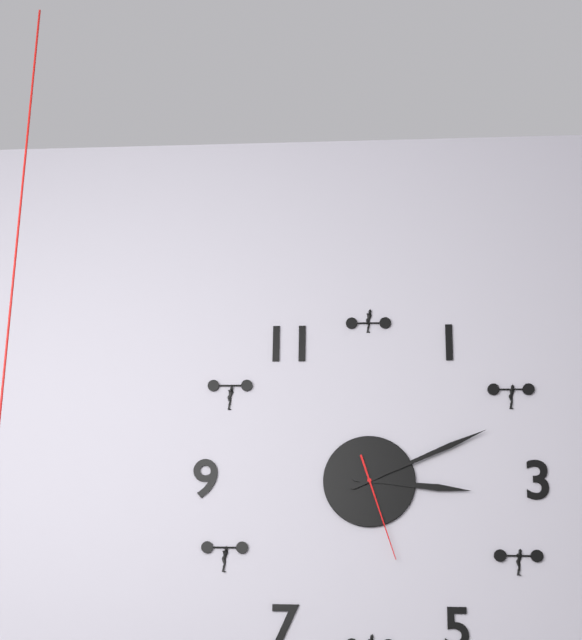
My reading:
3 h 11 min 27 s
